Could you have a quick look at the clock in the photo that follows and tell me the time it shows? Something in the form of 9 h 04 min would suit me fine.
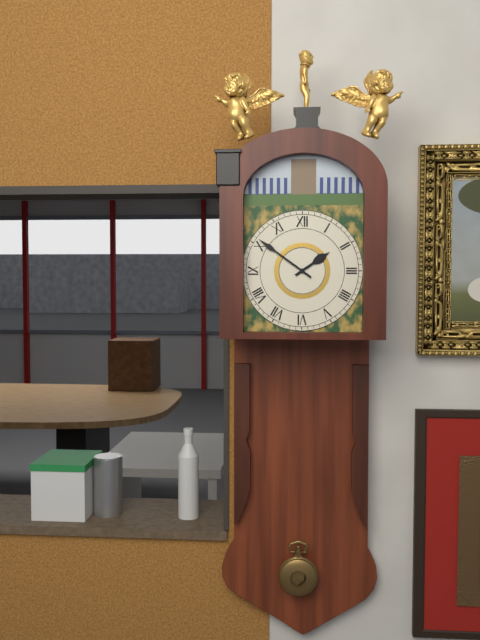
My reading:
1 h 51 min
